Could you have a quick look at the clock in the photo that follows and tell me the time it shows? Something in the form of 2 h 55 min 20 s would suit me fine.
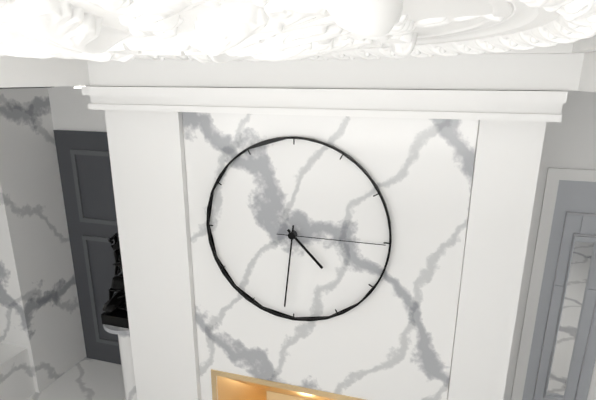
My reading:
4 h 31 min 15 s
